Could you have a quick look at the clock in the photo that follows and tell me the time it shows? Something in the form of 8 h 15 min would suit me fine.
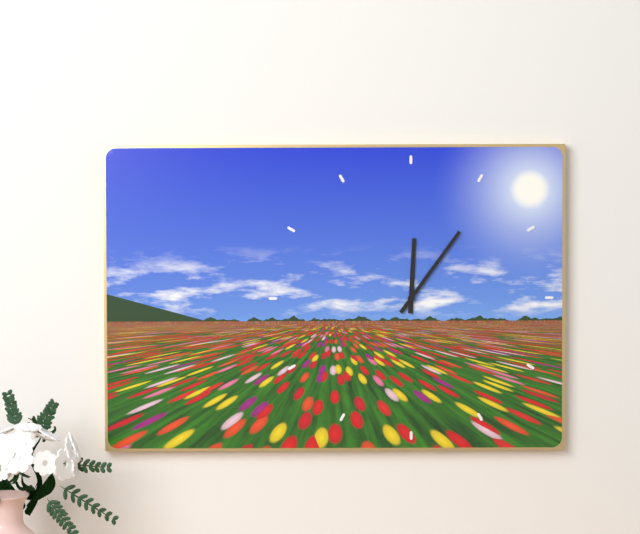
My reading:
12 h 06 min
